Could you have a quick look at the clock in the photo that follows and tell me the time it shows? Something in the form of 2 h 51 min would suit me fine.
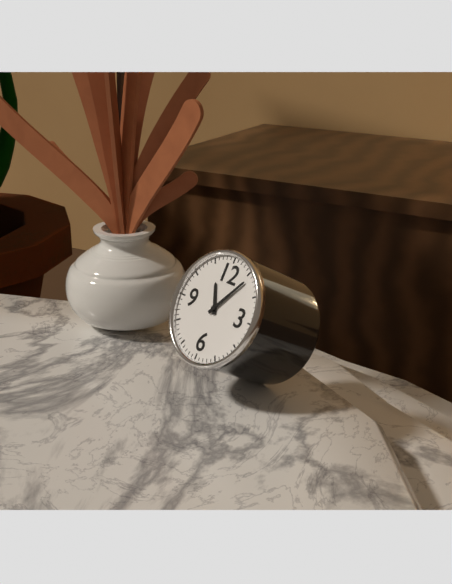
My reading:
11 h 06 min
